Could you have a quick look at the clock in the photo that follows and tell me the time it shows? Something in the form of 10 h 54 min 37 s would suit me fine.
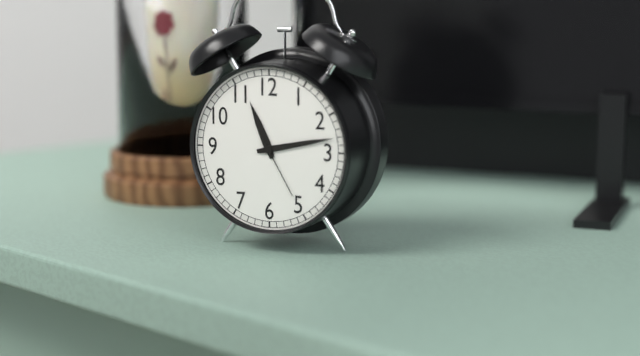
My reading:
11 h 13 min 25 s
